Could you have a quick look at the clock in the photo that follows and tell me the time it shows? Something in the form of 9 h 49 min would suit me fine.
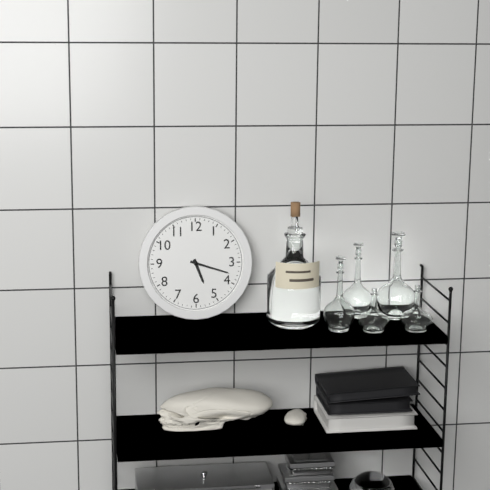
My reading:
5 h 18 min
